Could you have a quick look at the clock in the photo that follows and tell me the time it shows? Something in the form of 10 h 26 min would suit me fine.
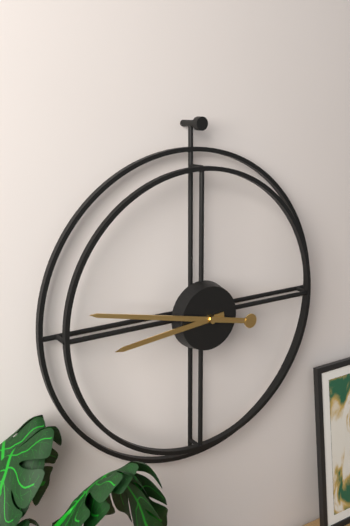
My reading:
8 h 47 min
